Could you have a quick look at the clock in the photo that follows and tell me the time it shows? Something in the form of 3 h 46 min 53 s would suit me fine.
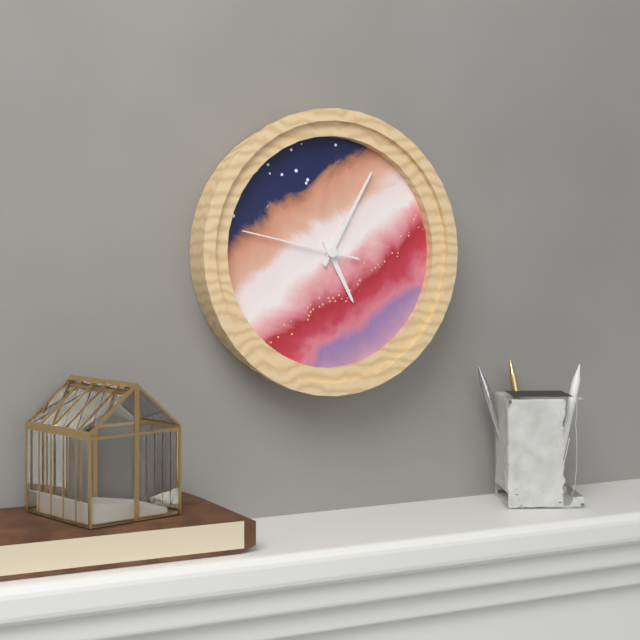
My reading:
5 h 05 min 47 s
